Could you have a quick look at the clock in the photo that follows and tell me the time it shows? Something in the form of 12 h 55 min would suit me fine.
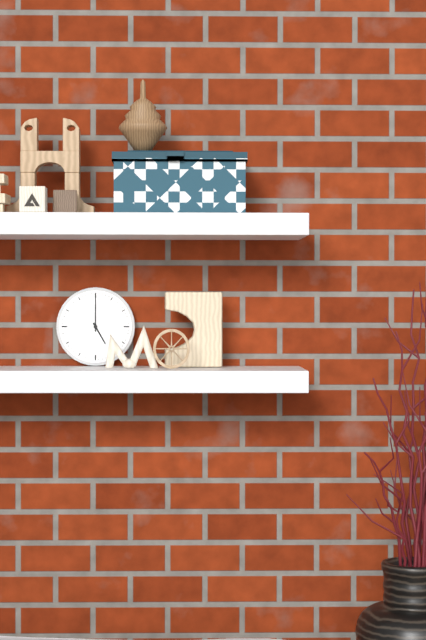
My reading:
5 h 00 min
